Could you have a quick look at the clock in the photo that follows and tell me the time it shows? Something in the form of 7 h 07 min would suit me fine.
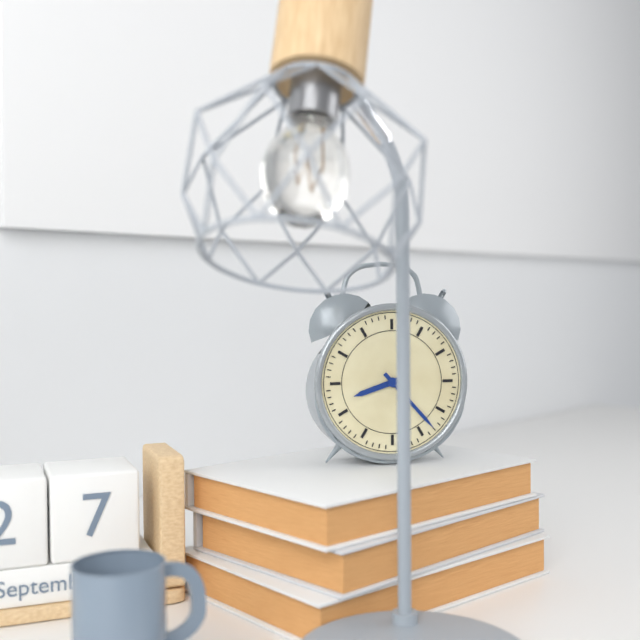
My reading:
8 h 23 min
